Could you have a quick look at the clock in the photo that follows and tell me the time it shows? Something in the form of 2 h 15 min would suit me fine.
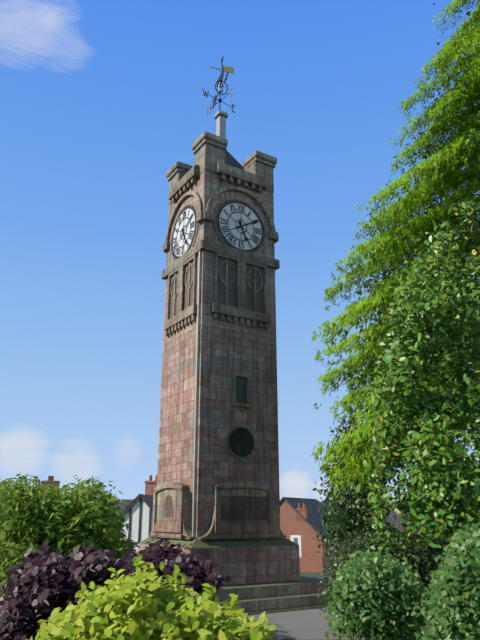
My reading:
5 h 10 min
